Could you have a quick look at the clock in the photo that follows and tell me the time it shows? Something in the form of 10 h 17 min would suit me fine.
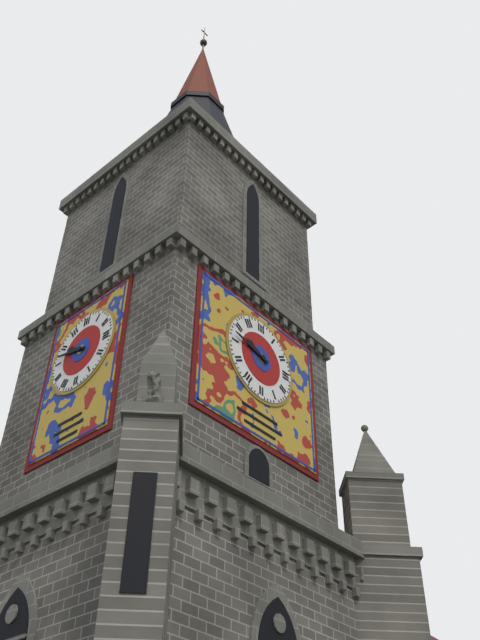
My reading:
9 h 47 min
